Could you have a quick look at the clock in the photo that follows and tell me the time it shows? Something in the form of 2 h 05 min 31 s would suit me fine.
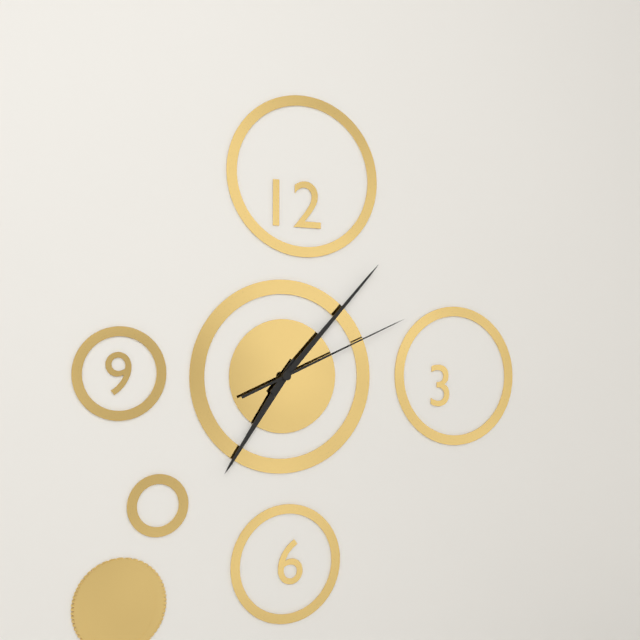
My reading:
7 h 07 min 11 s
